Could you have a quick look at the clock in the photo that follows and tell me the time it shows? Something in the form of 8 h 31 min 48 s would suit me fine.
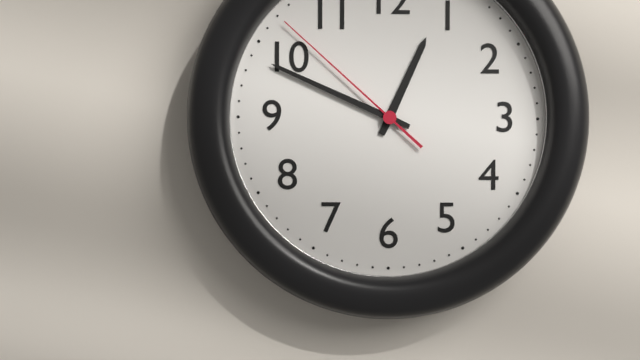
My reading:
12 h 49 min 52 s
